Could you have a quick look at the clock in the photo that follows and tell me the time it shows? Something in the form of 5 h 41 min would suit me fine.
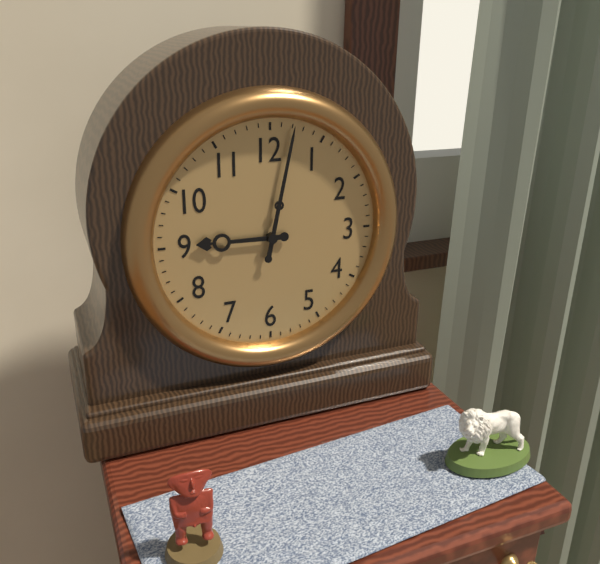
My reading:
9 h 02 min
